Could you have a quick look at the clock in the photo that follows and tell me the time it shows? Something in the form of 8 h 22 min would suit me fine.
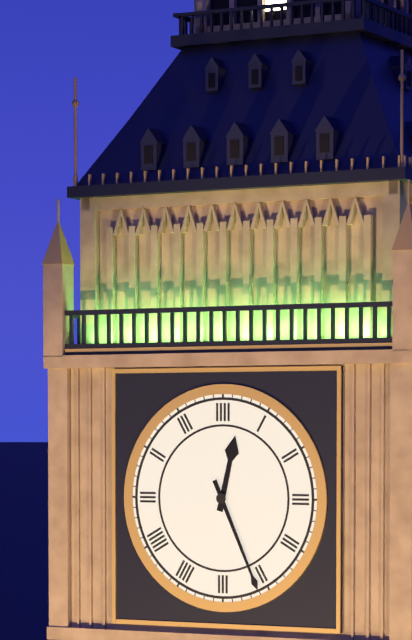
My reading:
12 h 26 min
